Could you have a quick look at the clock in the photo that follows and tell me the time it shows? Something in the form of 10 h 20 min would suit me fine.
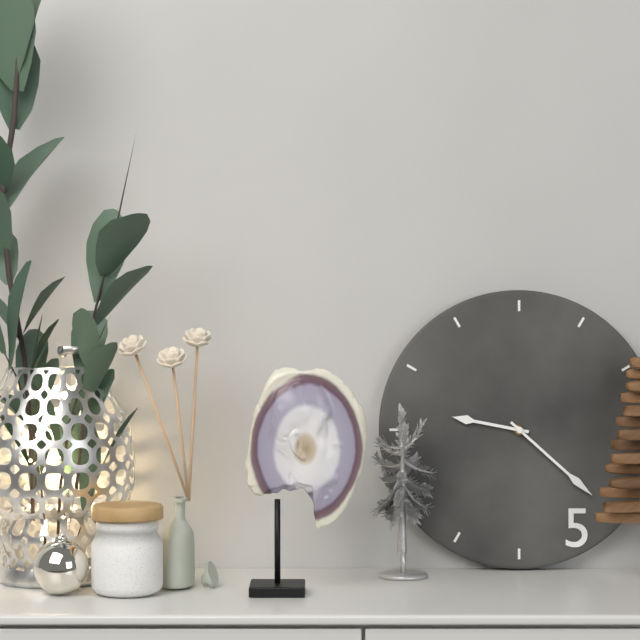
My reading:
9 h 22 min
